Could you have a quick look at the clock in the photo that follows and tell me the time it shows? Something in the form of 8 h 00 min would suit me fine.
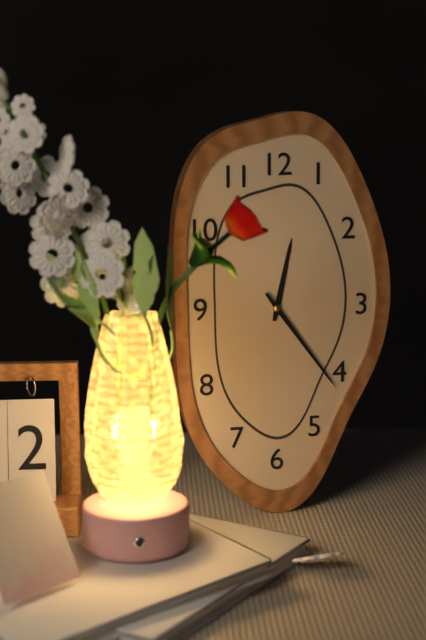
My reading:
12 h 24 min
